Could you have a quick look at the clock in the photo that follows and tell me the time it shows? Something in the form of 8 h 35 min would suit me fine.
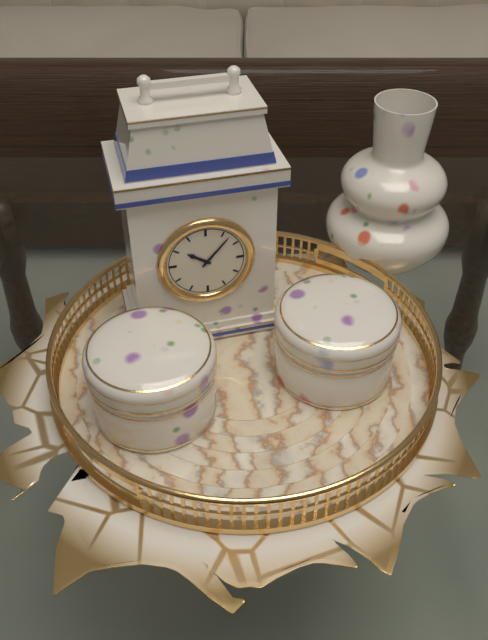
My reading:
10 h 07 min
